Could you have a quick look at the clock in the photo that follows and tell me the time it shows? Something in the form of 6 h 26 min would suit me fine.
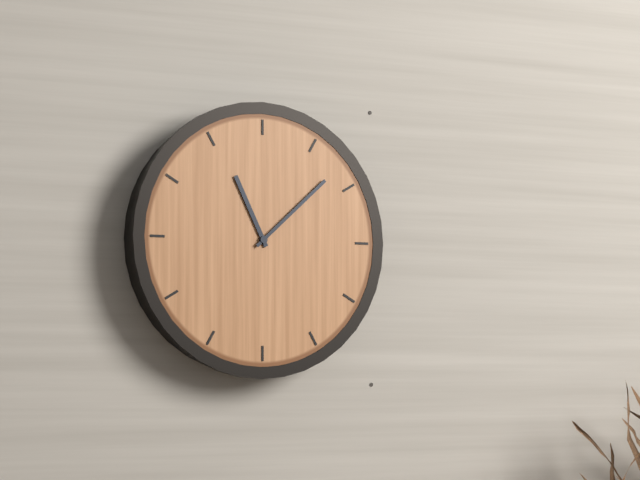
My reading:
11 h 08 min
